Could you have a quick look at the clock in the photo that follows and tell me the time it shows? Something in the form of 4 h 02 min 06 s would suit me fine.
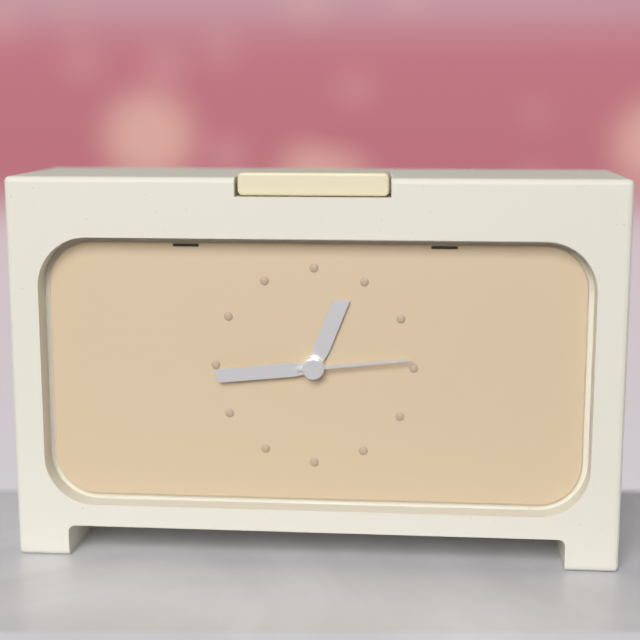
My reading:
12 h 44 min 14 s
